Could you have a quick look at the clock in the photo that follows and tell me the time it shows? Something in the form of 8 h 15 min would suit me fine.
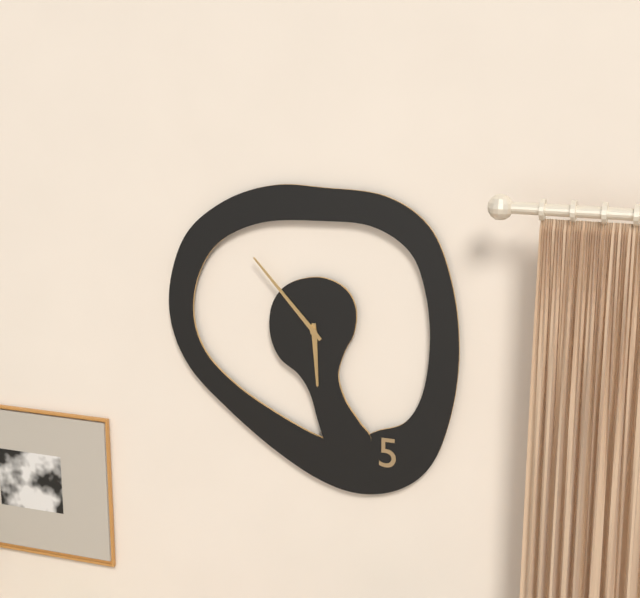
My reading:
5 h 53 min
